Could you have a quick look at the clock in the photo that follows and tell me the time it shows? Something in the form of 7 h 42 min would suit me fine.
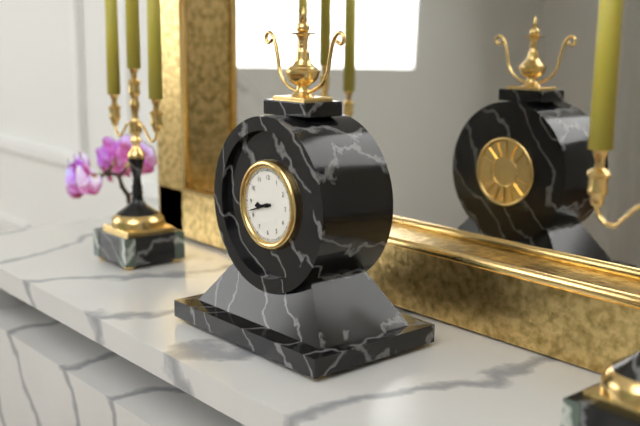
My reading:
8 h 42 min
